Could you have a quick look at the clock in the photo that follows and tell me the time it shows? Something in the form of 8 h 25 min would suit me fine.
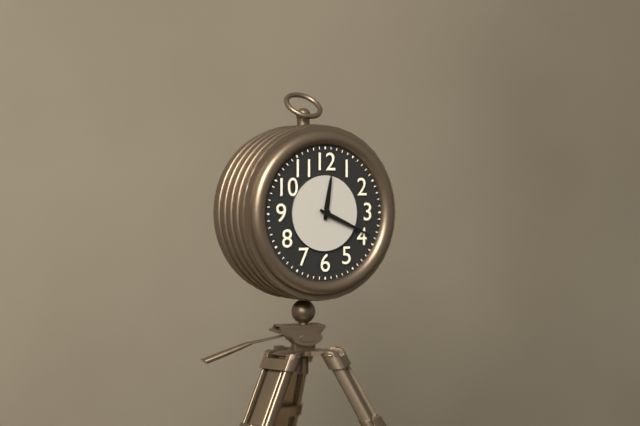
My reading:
12 h 19 min
